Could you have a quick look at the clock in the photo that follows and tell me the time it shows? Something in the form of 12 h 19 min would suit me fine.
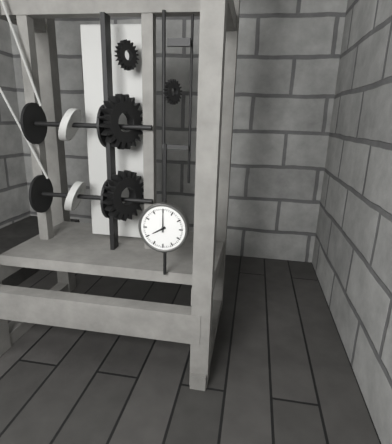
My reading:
8 h 00 min
